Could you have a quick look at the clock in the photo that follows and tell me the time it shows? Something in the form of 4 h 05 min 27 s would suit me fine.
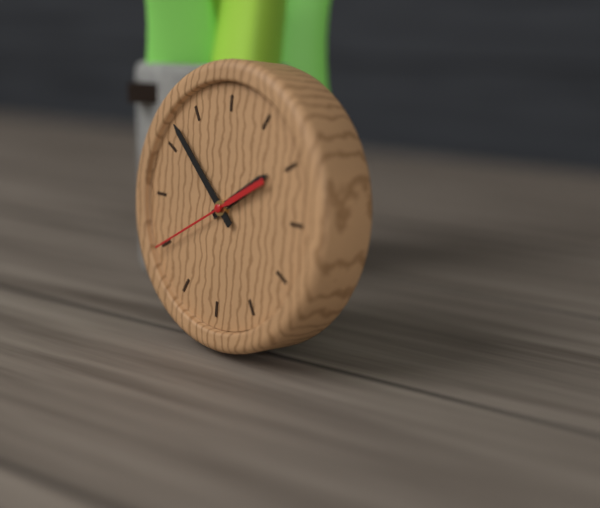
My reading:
1 h 52 min 40 s
